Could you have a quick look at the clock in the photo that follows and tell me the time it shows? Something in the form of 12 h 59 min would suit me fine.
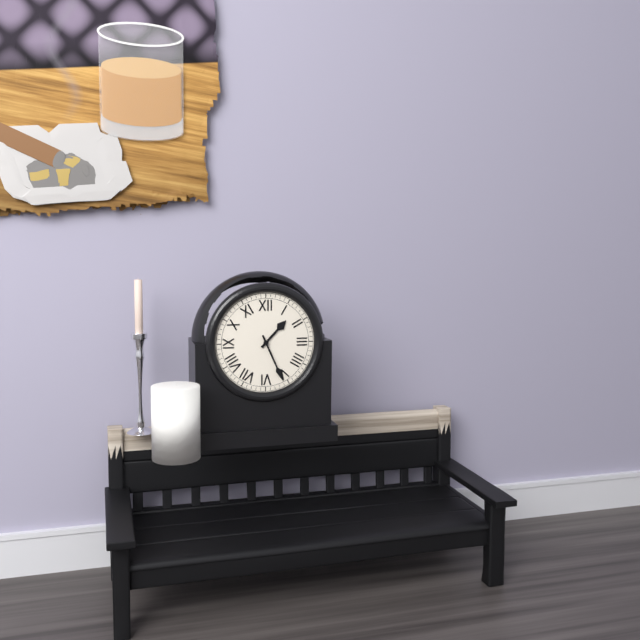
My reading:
1 h 26 min
